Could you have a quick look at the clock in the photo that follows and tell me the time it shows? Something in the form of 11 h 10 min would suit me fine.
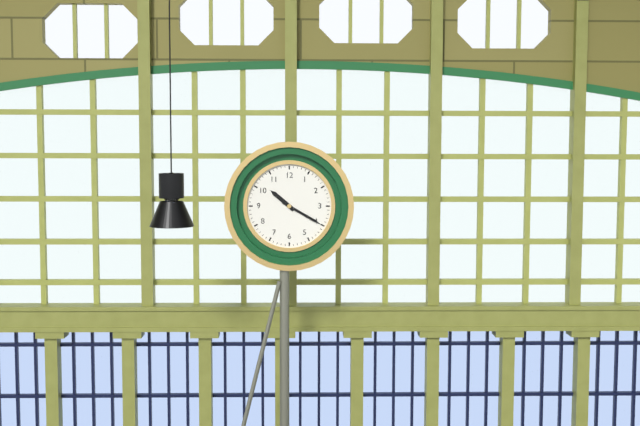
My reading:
10 h 20 min
